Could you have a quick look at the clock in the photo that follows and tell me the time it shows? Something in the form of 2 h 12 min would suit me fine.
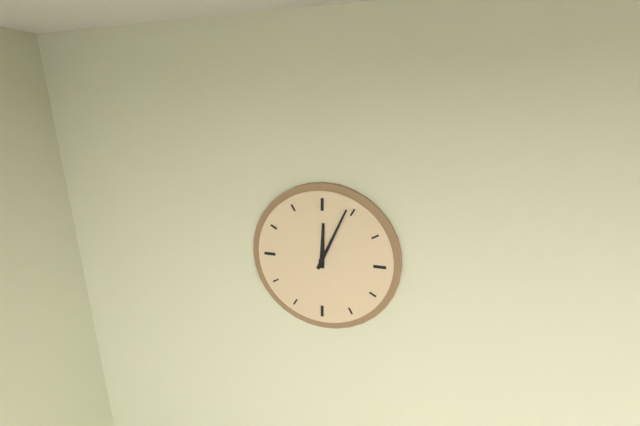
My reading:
12 h 04 min
